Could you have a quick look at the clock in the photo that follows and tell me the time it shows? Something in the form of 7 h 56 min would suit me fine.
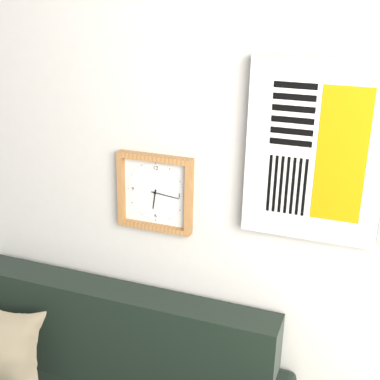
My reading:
6 h 16 min
